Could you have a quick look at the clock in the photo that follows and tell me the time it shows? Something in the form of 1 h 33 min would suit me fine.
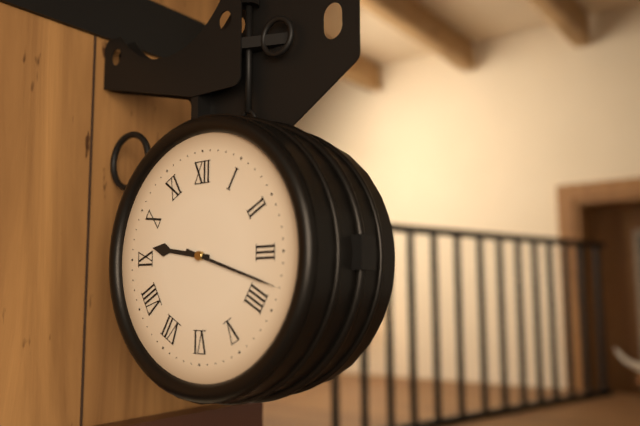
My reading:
9 h 18 min
